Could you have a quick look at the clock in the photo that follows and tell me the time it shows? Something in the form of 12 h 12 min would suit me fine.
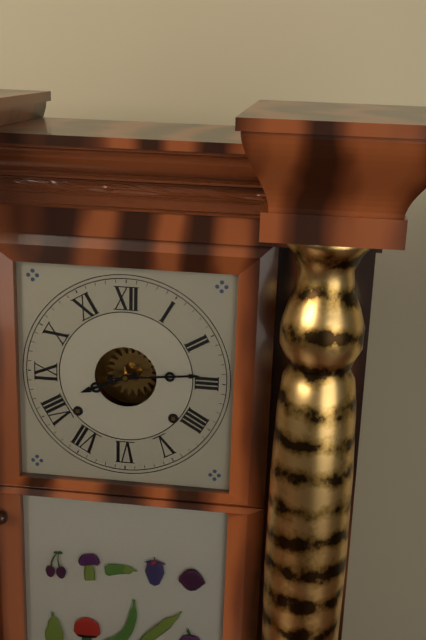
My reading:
8 h 14 min
